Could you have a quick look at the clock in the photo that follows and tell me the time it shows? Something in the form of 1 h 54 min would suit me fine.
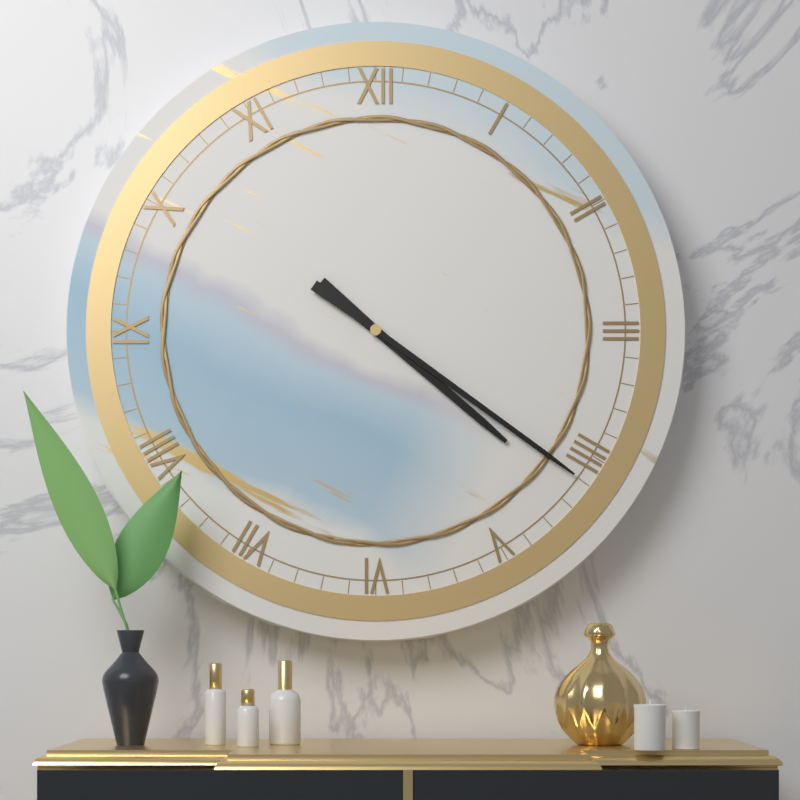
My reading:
4 h 21 min
